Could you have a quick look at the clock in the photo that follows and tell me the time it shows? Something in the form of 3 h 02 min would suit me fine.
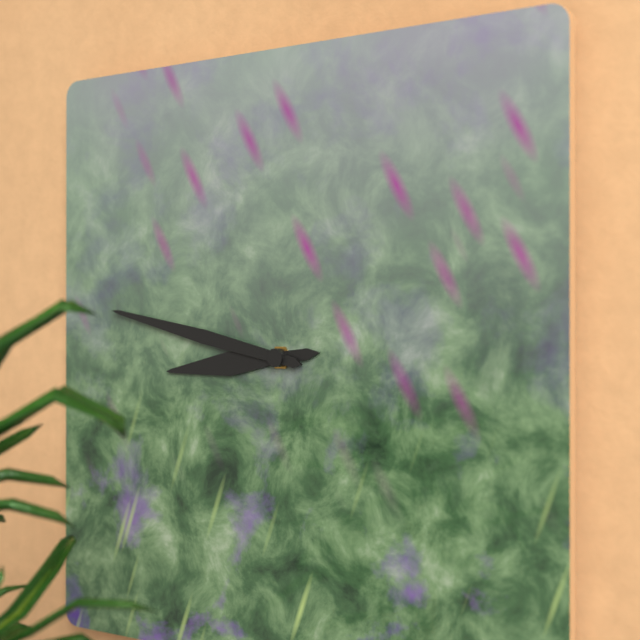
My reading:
8 h 47 min
